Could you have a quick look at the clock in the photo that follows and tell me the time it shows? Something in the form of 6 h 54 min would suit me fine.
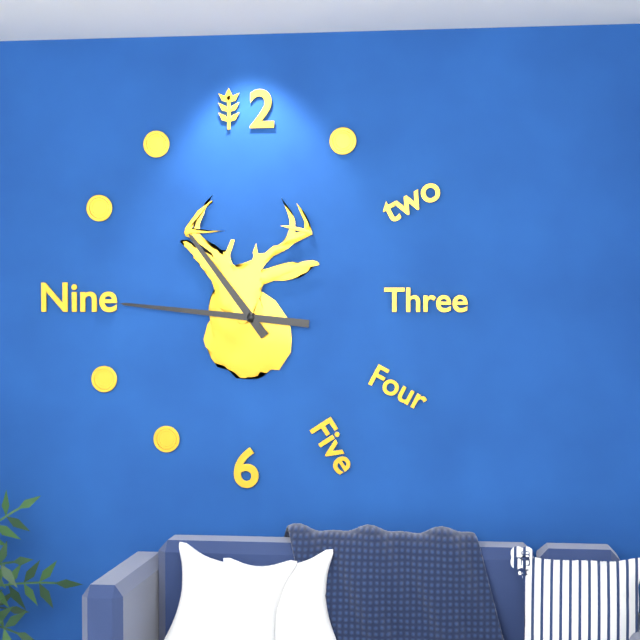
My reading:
10 h 46 min
